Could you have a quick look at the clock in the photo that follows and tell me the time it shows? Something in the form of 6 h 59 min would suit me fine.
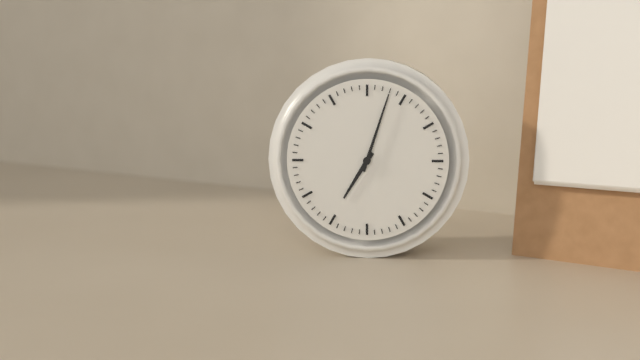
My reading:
7 h 03 min
